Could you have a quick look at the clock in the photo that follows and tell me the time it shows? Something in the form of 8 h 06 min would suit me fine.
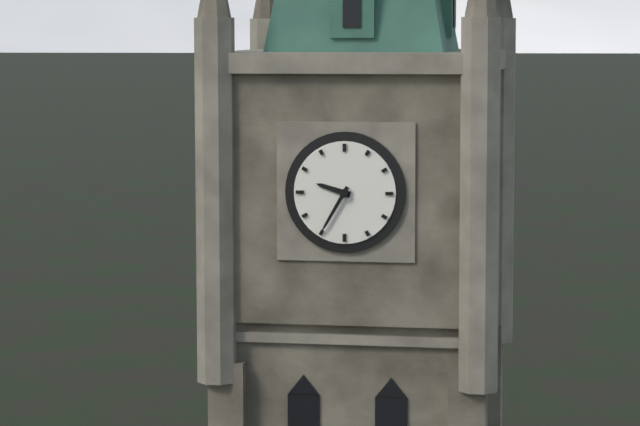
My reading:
9 h 35 min
